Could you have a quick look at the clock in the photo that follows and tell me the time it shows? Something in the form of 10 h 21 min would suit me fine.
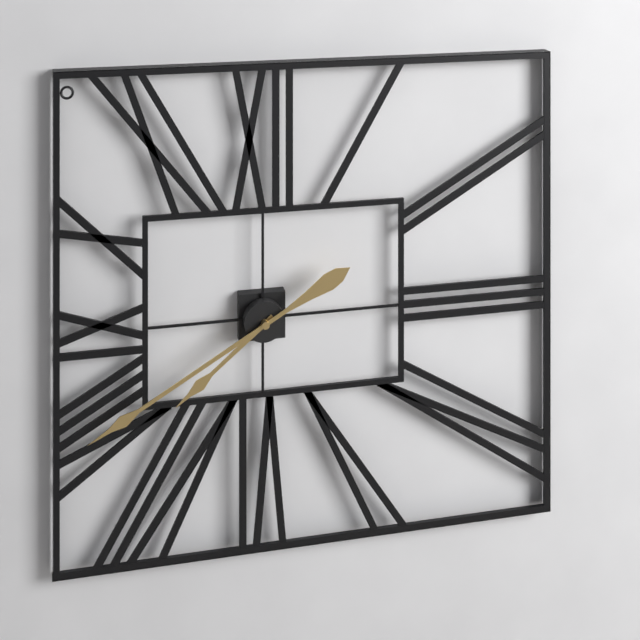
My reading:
7 h 40 min
